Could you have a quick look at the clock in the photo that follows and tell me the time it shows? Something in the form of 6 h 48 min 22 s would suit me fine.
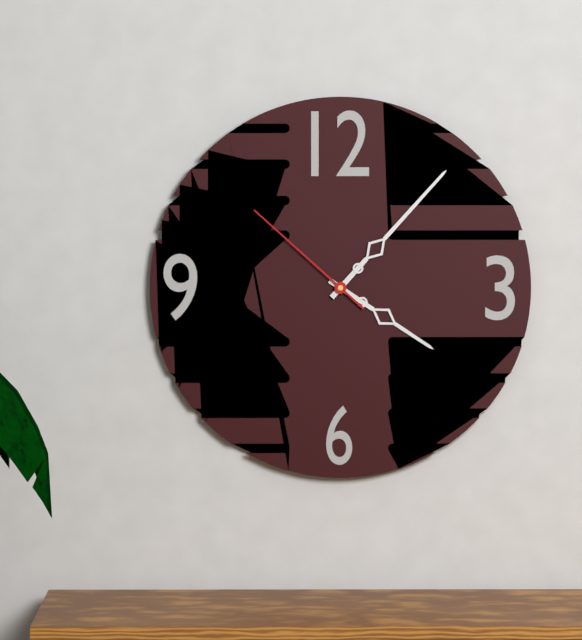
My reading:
4 h 07 min 52 s
